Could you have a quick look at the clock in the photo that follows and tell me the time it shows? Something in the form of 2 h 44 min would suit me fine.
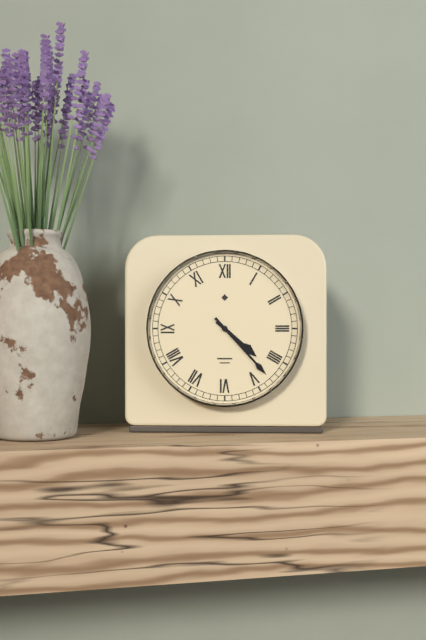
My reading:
4 h 23 min
